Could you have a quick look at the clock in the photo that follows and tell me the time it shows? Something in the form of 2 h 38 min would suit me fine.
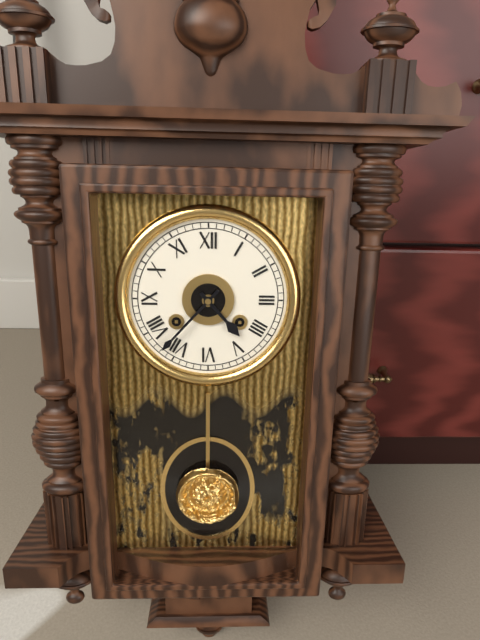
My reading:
4 h 37 min
